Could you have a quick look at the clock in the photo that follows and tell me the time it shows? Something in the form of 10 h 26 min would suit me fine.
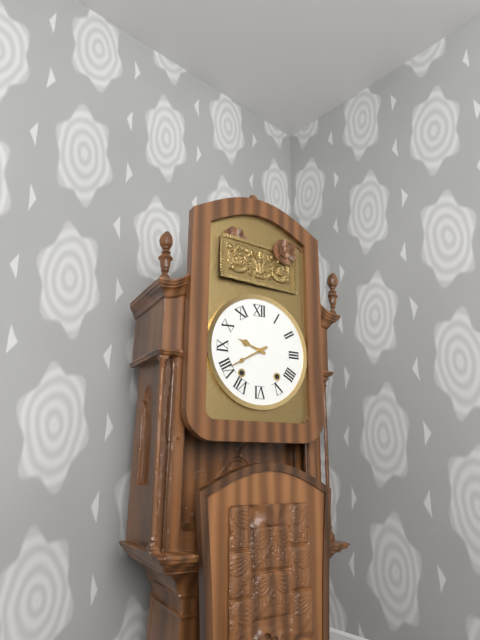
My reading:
9 h 40 min
